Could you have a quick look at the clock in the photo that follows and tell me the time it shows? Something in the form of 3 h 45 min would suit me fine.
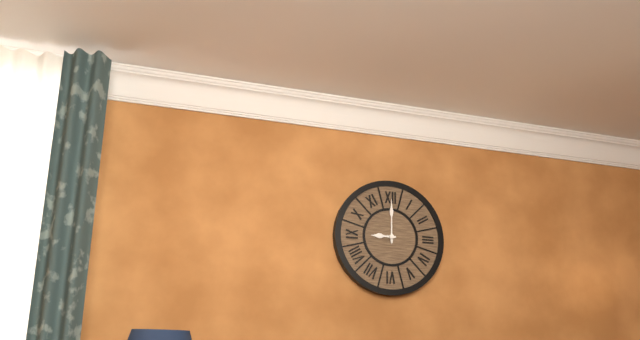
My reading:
9 h 00 min
